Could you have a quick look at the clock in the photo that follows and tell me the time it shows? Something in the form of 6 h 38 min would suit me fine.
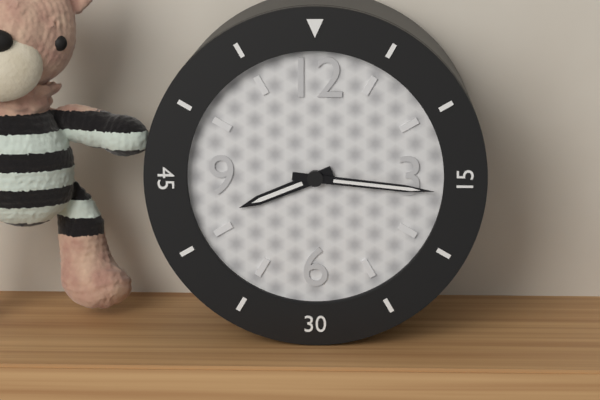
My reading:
8 h 16 min
